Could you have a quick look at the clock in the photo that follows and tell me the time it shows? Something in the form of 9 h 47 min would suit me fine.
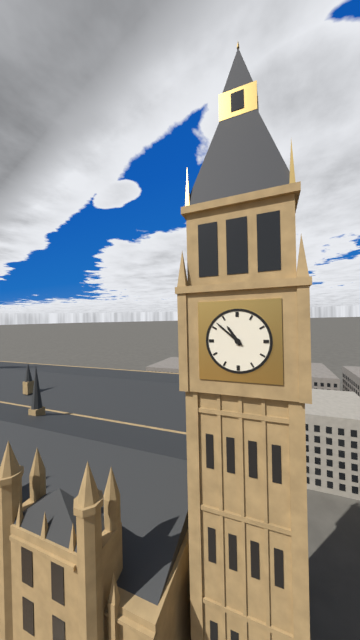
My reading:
10 h 52 min
